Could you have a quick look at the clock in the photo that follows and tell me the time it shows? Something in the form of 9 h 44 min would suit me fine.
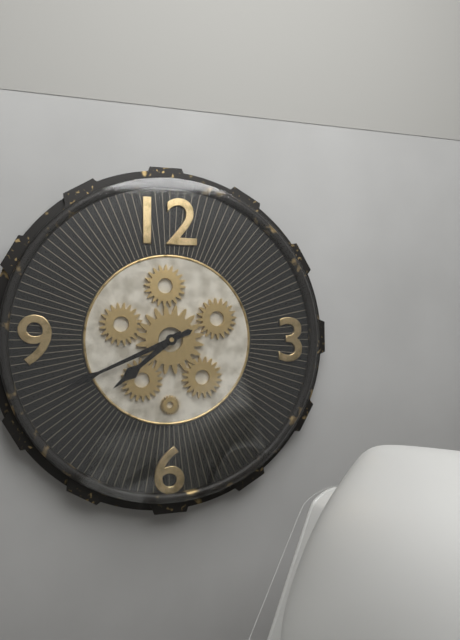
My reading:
7 h 41 min
